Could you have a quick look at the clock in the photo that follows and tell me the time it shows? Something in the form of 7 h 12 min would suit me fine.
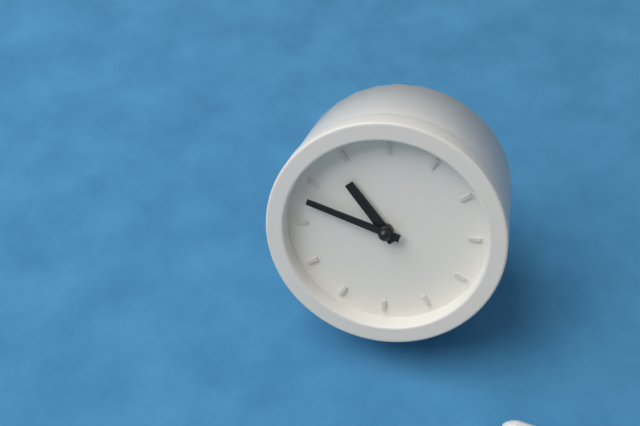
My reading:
9 h 43 min
